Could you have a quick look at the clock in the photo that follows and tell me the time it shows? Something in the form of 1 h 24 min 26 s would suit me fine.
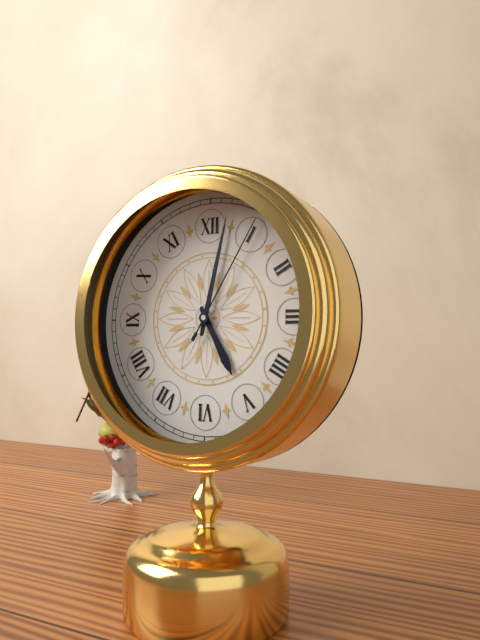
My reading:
5 h 02 min 05 s
